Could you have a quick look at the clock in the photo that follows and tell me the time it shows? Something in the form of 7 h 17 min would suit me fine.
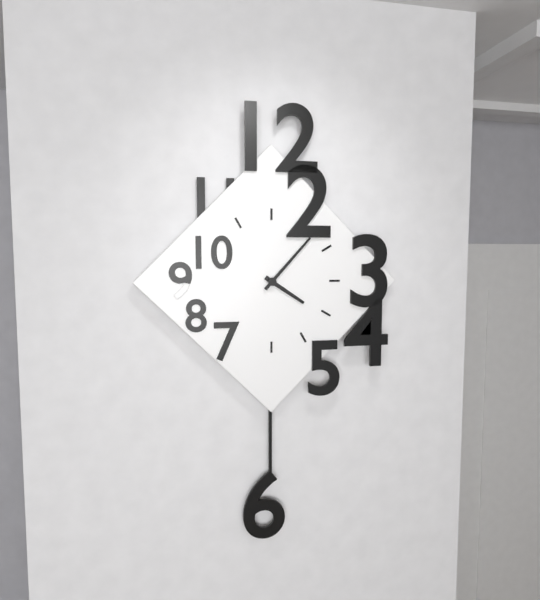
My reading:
4 h 07 min
